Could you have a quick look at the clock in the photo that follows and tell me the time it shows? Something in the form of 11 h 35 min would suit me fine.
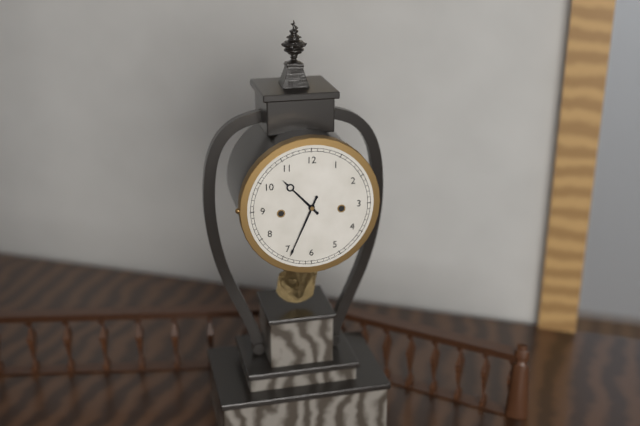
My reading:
10 h 34 min
